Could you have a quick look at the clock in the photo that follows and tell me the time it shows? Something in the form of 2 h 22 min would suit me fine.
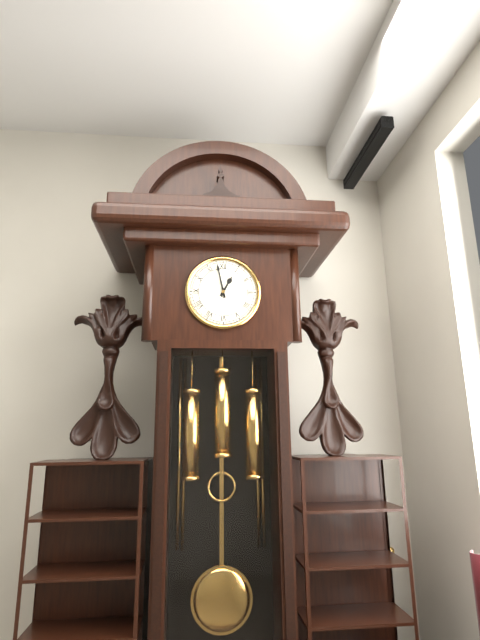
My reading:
12 h 58 min
